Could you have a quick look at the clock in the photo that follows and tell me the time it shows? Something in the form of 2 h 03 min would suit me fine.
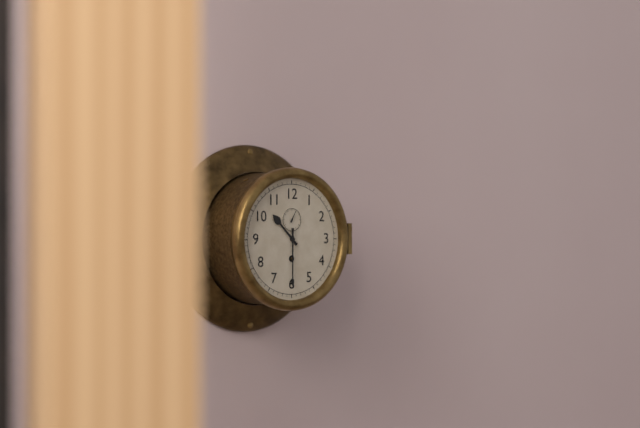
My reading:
10 h 30 min
